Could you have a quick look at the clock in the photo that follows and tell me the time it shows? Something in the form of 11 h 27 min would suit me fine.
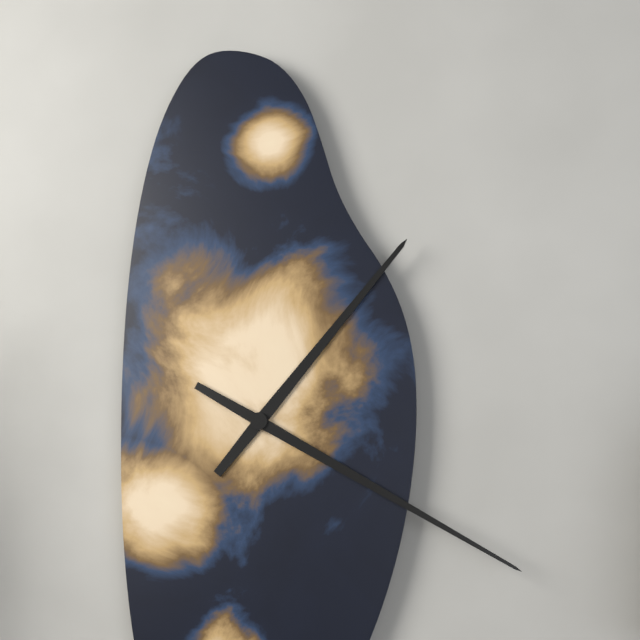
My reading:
1 h 20 min
